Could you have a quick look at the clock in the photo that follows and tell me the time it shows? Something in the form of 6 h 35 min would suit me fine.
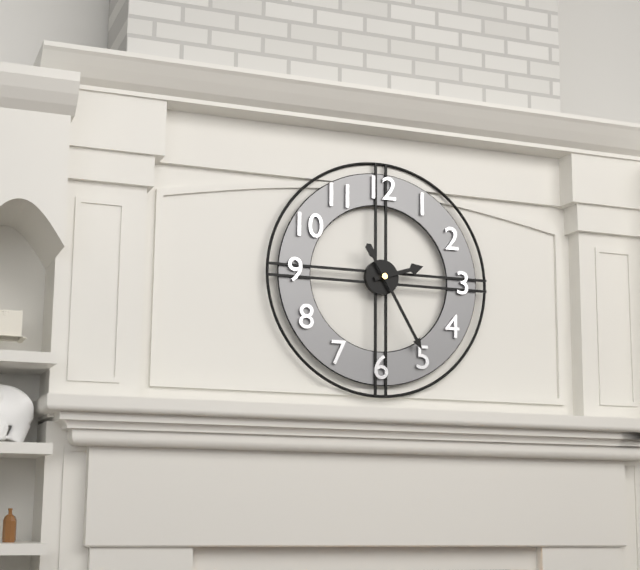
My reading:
2 h 25 min
